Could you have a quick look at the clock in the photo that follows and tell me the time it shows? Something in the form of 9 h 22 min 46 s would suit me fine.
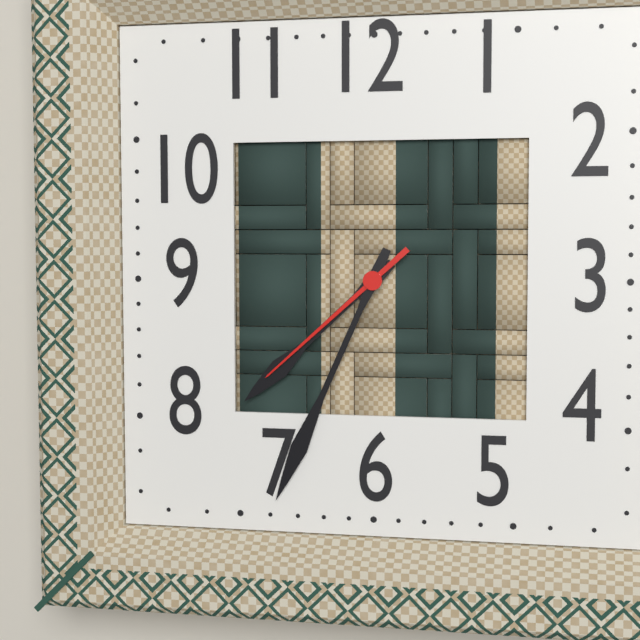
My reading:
7 h 34 min 38 s
